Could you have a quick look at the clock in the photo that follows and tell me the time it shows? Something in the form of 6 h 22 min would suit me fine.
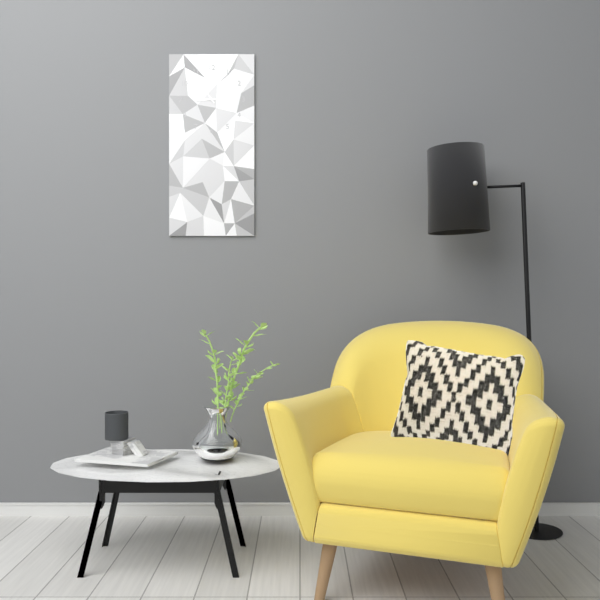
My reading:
8 h 54 min
